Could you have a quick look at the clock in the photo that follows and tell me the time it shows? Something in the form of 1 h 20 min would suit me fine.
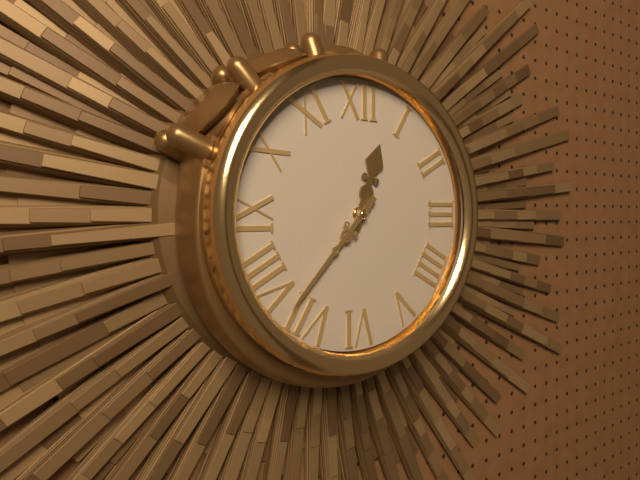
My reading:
12 h 37 min
